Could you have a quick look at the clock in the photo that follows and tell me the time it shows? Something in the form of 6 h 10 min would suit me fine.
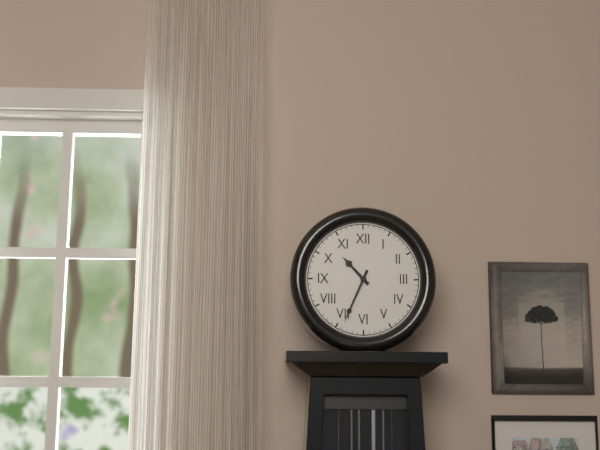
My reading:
10 h 34 min
